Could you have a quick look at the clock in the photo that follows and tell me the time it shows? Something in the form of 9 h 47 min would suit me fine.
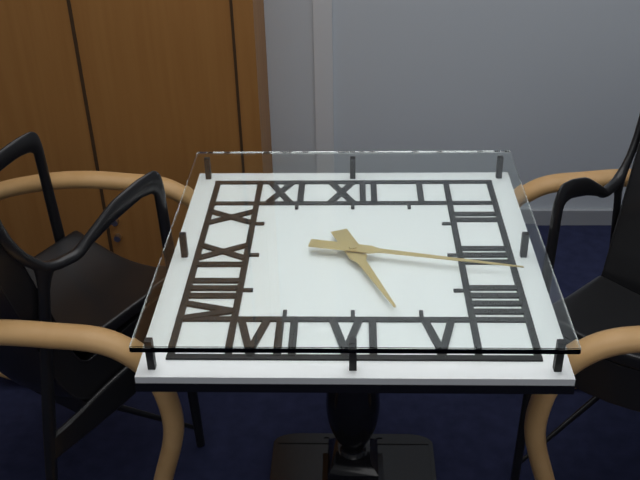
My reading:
5 h 17 min
